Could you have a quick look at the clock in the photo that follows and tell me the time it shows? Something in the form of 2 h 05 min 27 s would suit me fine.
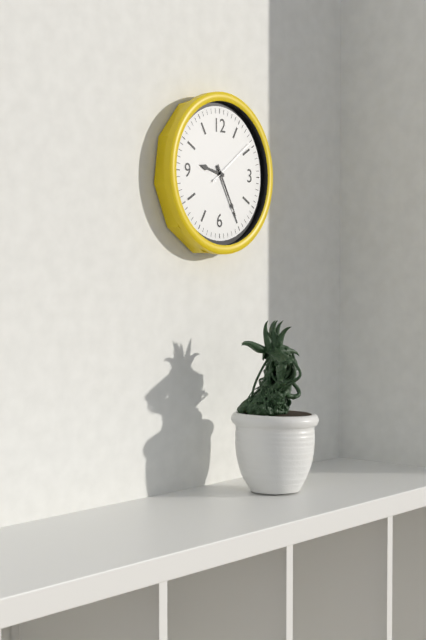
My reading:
9 h 25 min 09 s
